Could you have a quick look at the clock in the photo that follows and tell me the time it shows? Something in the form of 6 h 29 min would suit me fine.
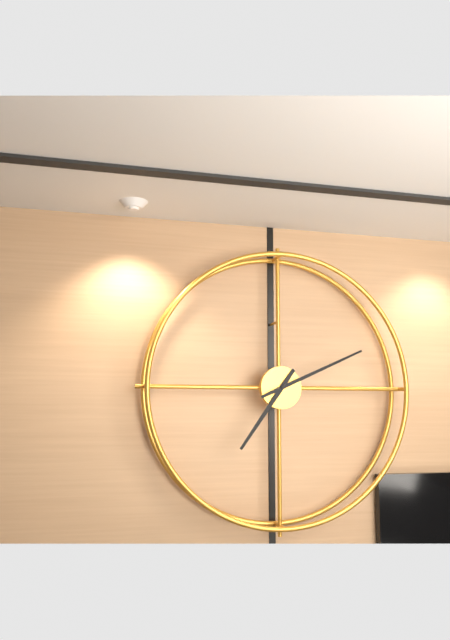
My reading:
7 h 11 min
